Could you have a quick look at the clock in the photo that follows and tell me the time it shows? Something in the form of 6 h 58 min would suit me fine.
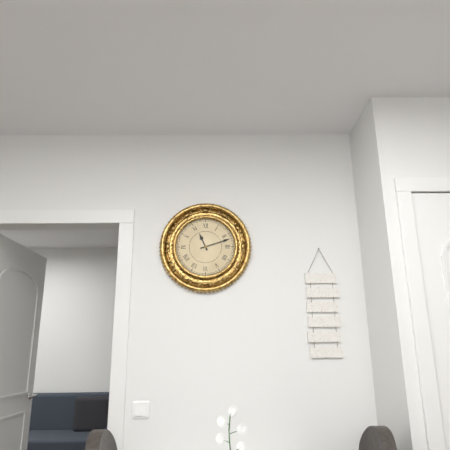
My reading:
11 h 12 min
